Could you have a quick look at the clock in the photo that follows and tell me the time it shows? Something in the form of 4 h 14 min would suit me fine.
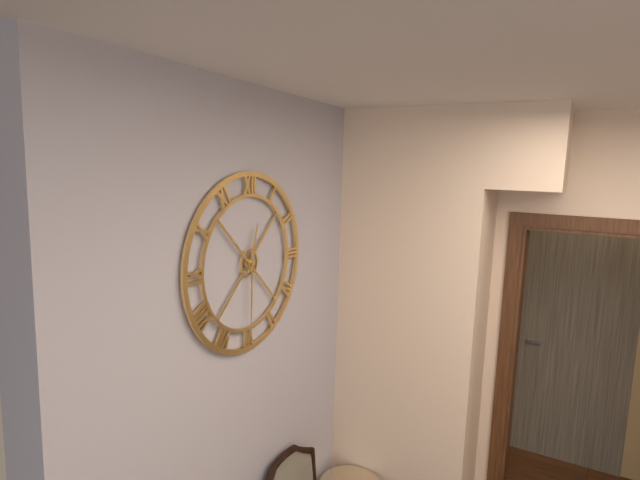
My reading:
12 h 30 min
